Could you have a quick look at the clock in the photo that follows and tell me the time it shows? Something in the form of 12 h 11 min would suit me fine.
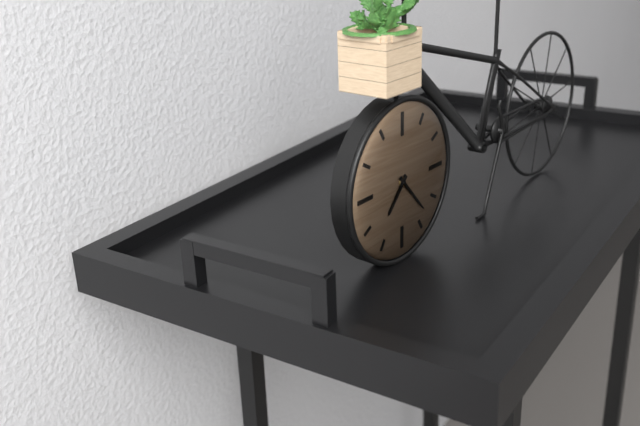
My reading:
7 h 23 min
